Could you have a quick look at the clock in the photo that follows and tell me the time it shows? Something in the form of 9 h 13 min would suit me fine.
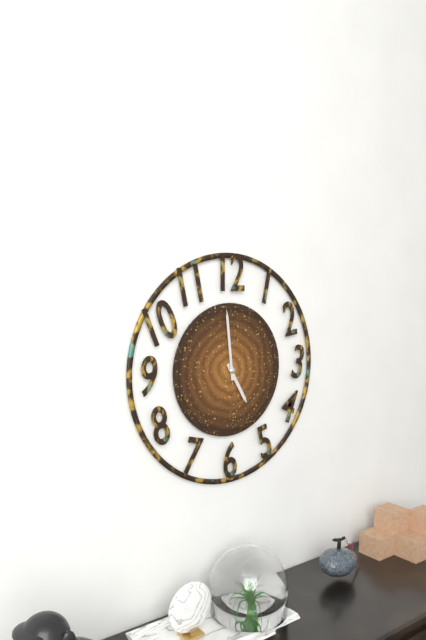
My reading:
4 h 59 min
